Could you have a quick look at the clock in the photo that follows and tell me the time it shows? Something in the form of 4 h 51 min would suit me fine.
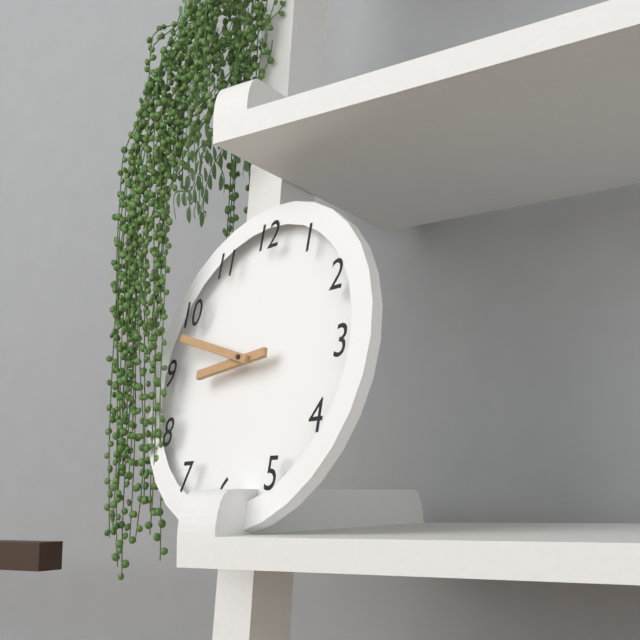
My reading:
8 h 48 min
